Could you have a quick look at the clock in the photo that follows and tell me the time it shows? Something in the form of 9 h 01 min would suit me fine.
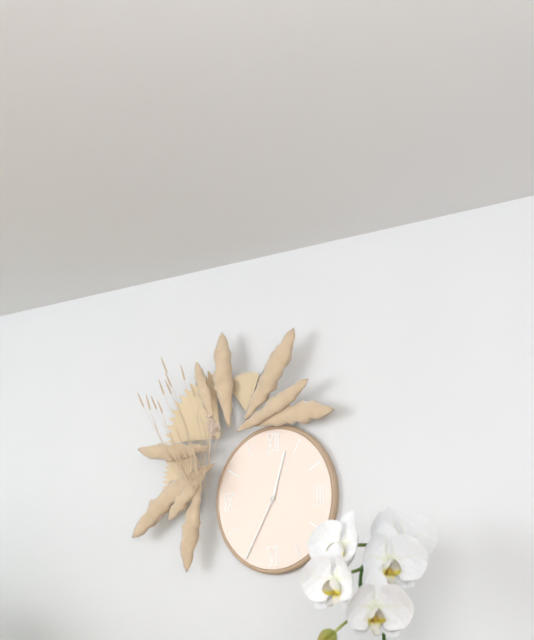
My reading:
12 h 35 min
